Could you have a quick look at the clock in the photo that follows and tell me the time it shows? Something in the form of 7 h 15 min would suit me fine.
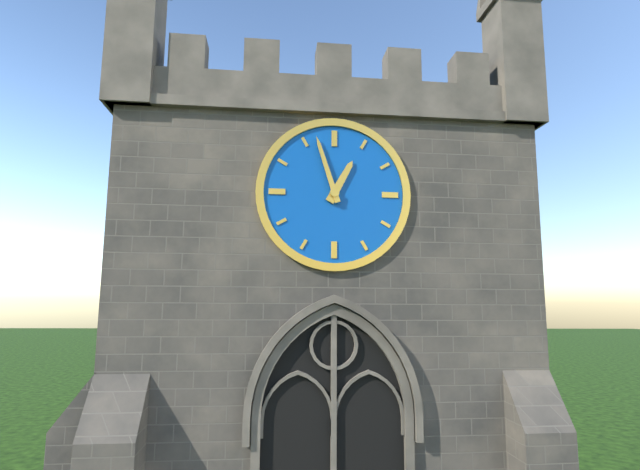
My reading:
12 h 57 min
